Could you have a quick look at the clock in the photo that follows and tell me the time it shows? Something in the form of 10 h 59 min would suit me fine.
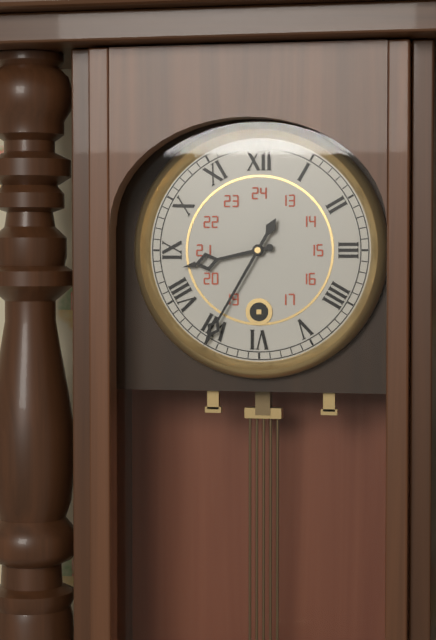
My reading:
8 h 35 min
